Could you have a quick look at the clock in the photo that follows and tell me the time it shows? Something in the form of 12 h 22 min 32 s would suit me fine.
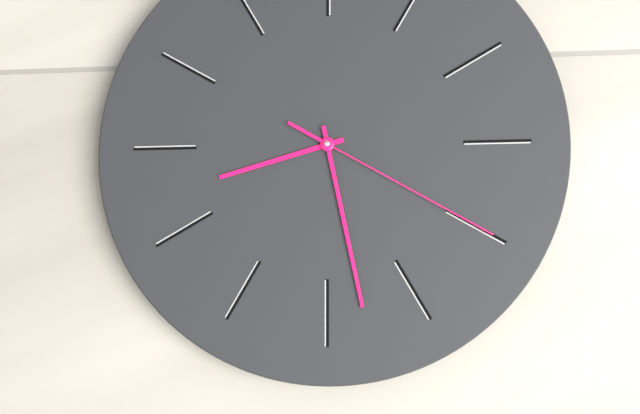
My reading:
8 h 28 min 20 s
